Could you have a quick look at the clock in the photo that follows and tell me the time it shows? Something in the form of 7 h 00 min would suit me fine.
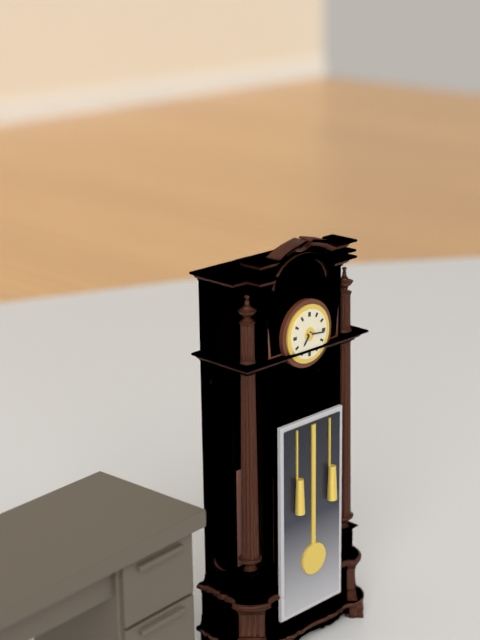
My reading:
7 h 16 min
